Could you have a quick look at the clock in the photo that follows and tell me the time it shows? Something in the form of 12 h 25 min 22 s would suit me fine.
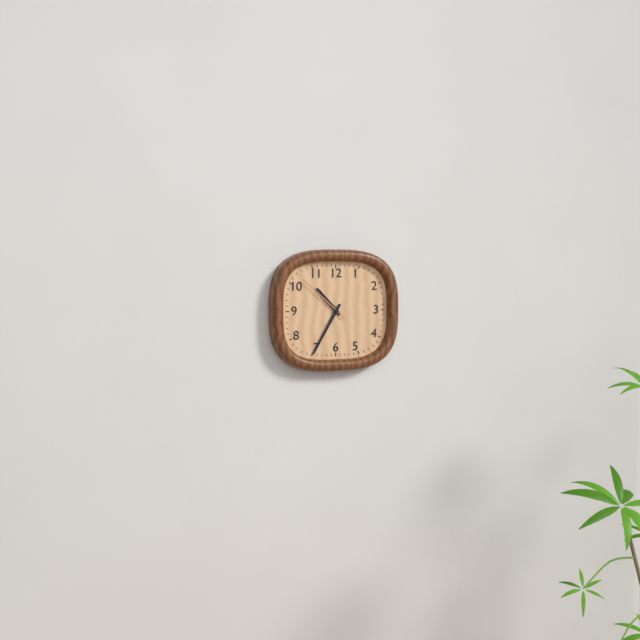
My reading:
10 h 35 min 52 s
